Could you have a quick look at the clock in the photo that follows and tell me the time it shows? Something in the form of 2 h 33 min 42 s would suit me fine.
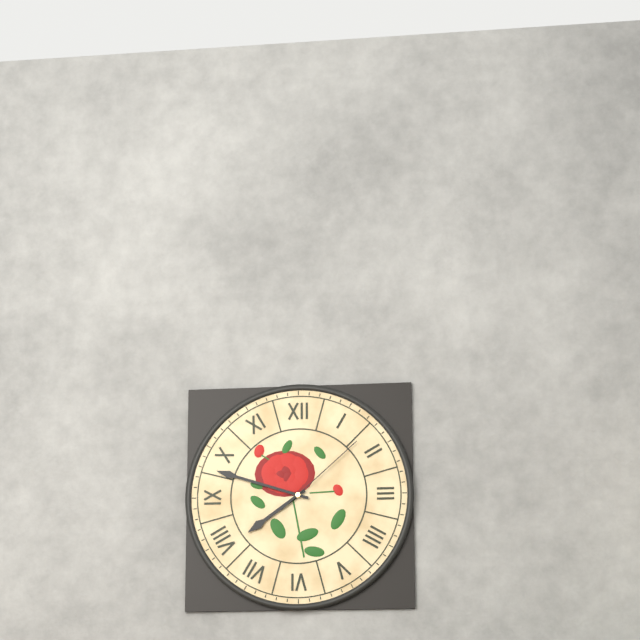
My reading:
7 h 48 min 08 s
